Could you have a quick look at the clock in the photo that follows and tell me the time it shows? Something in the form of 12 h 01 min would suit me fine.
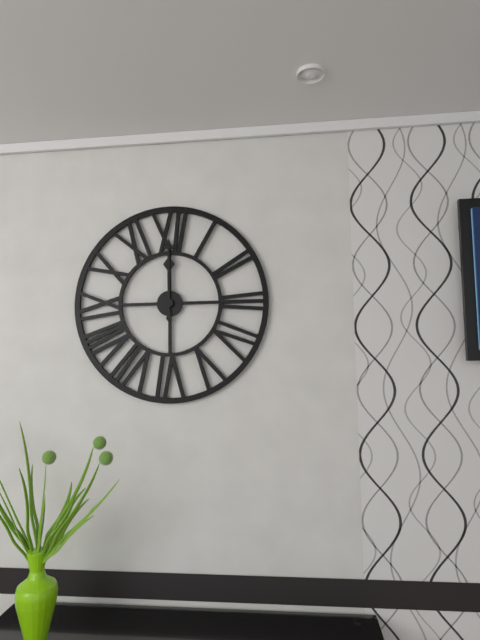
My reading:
12 h 00 min
